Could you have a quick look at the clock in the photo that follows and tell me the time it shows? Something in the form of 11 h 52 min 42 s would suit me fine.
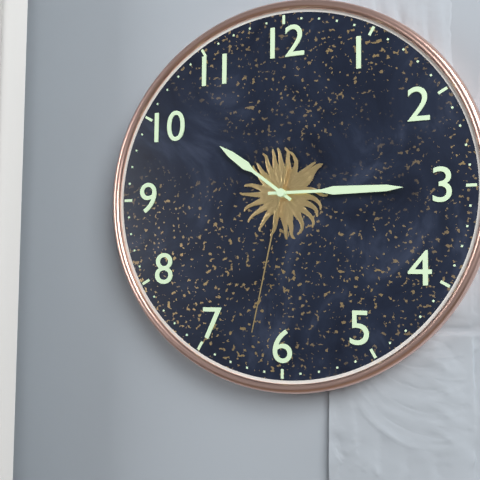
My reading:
10 h 15 min 32 s
